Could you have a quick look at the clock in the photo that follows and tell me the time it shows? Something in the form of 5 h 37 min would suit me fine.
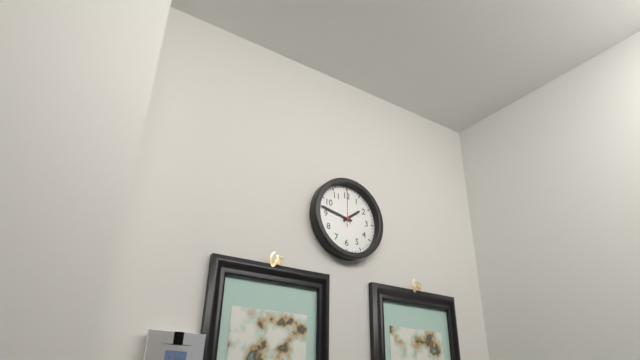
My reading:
1 h 47 min
